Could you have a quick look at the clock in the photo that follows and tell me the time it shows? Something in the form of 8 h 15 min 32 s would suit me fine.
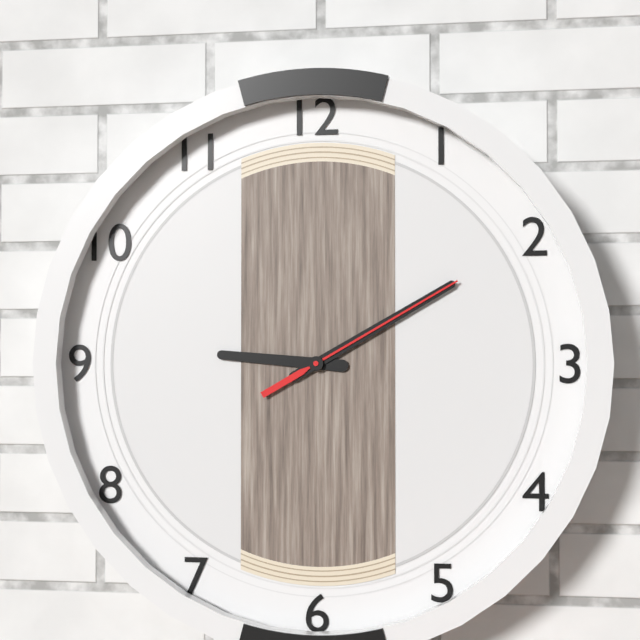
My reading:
9 h 10 min 10 s
